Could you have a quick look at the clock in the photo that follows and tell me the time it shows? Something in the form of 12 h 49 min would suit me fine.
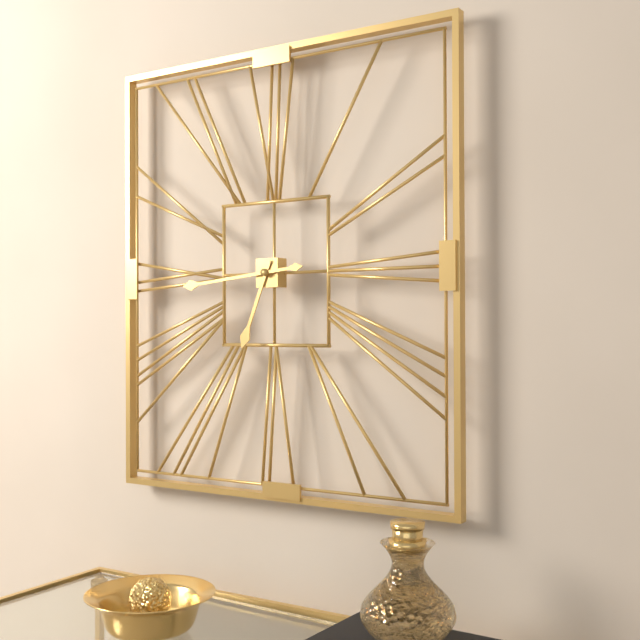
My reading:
6 h 44 min
